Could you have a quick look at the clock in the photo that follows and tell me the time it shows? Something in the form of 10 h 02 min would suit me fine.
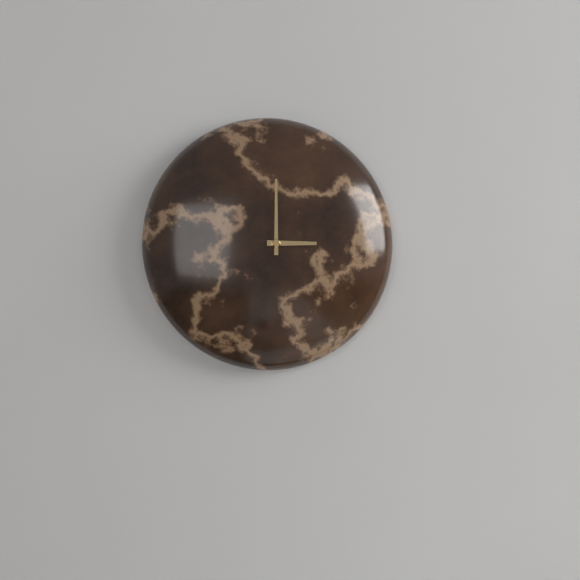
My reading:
3 h 00 min
